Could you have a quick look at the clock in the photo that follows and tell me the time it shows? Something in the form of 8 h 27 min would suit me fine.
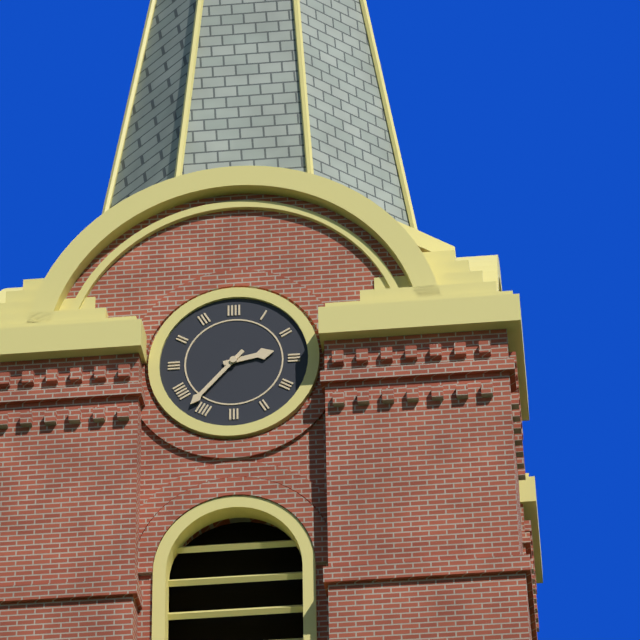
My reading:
2 h 37 min
